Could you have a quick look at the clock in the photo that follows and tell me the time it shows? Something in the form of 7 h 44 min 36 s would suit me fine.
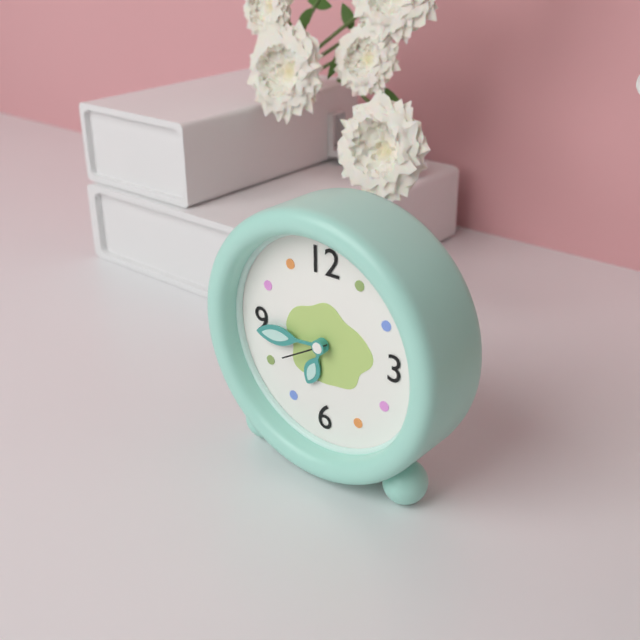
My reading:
6 h 44 min 40 s
